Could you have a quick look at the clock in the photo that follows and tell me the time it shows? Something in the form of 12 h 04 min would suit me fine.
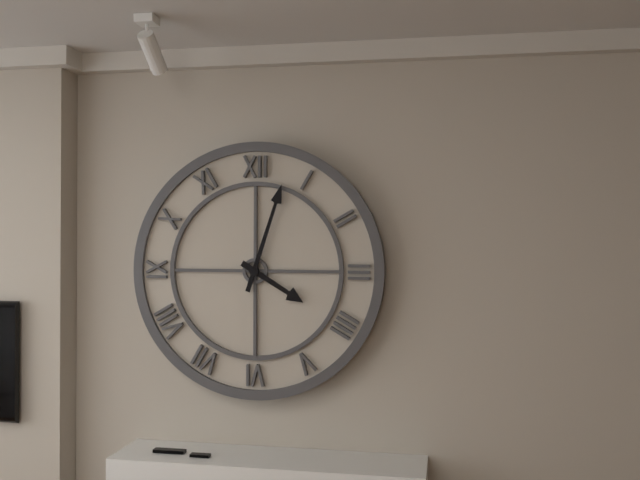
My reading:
4 h 03 min
